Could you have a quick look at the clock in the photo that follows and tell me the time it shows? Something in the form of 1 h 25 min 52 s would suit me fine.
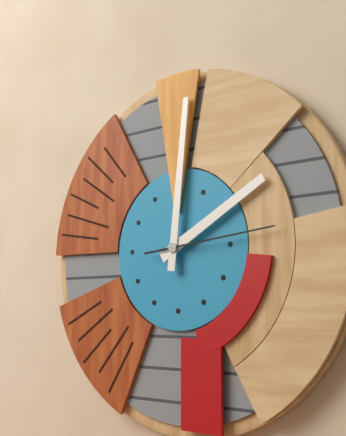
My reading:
2 h 01 min 14 s
